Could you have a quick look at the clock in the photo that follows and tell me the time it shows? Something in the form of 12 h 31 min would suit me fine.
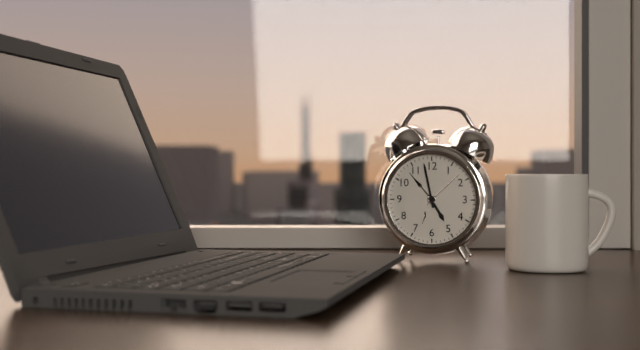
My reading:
4 h 58 min
